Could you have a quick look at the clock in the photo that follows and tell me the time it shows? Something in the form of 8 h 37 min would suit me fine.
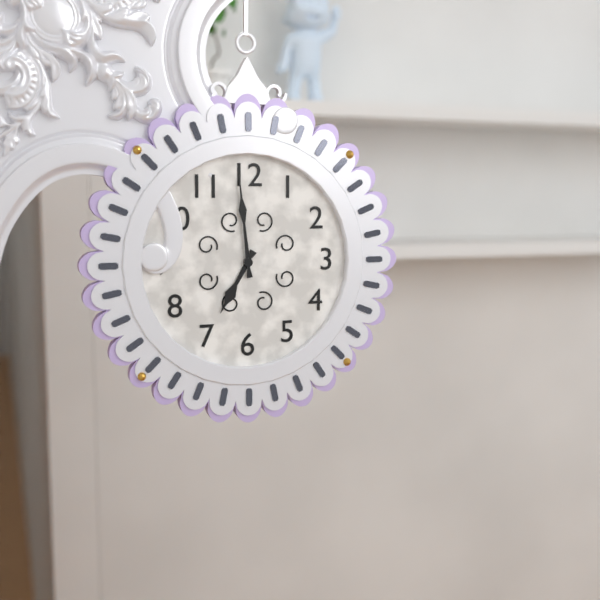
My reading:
6 h 59 min
